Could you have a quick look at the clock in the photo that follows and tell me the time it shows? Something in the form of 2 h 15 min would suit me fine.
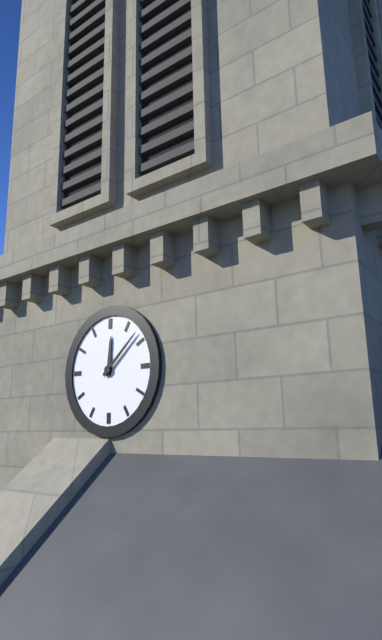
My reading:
12 h 08 min
